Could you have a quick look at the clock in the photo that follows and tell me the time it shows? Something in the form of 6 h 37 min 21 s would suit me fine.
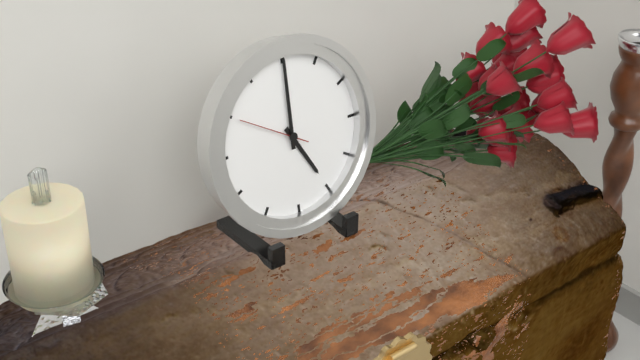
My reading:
5 h 00 min 50 s
